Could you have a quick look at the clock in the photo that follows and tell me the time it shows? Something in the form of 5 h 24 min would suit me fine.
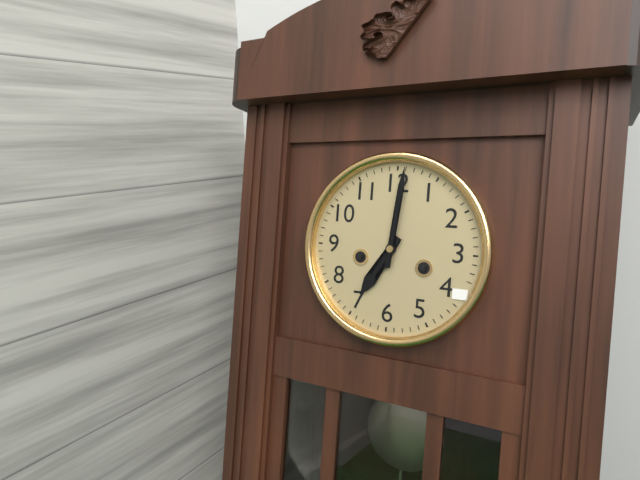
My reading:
7 h 01 min
